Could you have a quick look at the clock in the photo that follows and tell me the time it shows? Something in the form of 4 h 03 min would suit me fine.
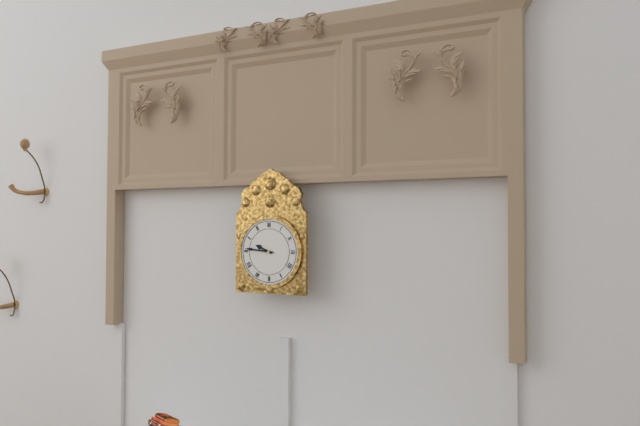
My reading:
9 h 46 min
